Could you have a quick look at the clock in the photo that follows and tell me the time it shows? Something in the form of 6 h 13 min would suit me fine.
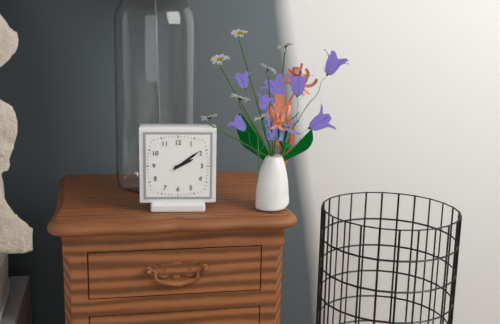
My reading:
2 h 09 min
